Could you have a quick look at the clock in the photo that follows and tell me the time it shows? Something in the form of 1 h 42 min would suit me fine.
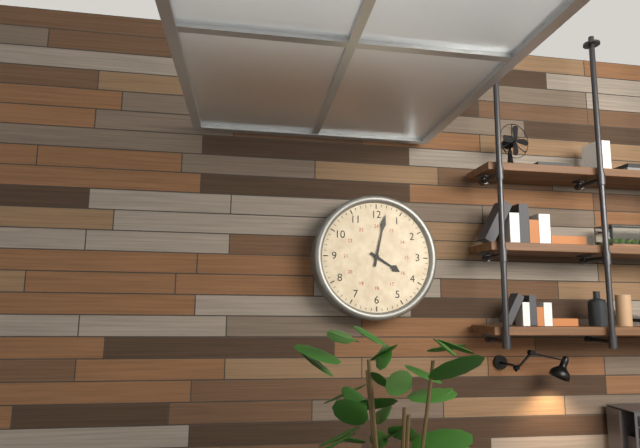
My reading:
4 h 02 min
